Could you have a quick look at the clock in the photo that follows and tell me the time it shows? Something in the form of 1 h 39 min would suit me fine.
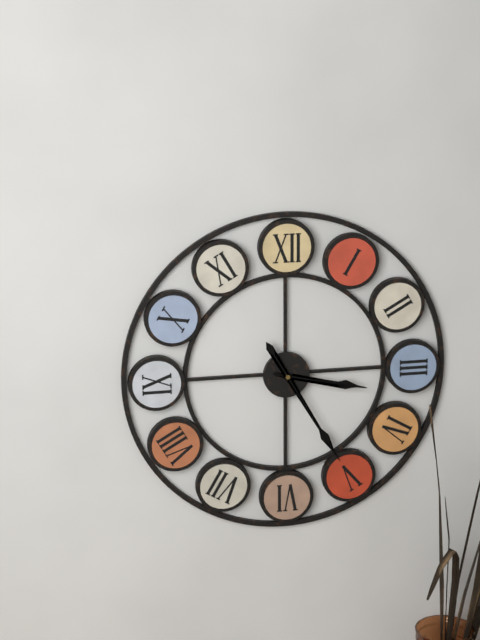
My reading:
3 h 25 min
